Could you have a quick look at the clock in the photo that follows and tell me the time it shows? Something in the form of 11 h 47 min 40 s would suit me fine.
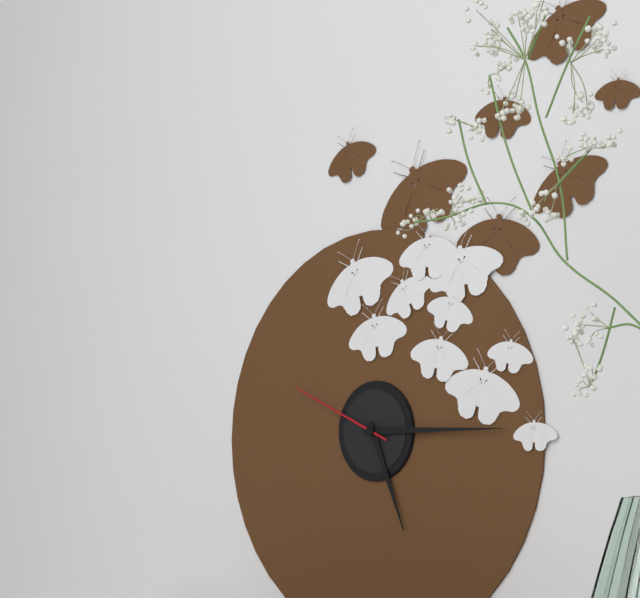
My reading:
5 h 15 min 49 s
